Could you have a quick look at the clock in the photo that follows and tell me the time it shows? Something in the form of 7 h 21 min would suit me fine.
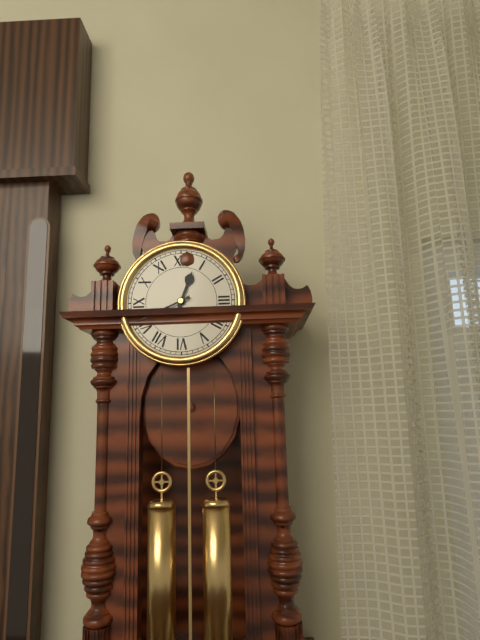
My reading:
12 h 41 min
